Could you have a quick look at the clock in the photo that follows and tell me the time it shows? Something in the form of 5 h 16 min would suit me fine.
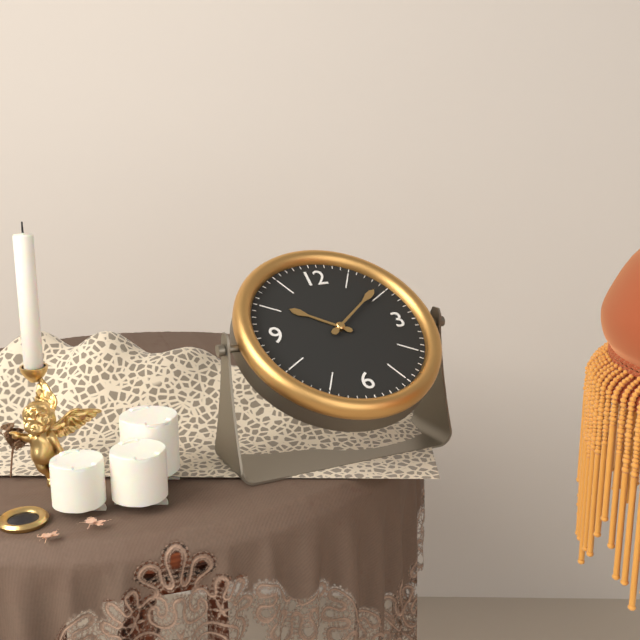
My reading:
10 h 09 min
